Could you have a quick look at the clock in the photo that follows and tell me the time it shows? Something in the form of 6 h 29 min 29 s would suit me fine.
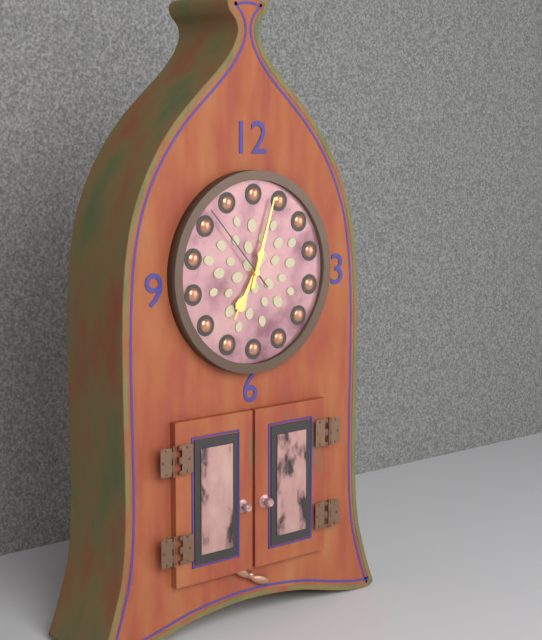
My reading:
7 h 03 min 53 s
